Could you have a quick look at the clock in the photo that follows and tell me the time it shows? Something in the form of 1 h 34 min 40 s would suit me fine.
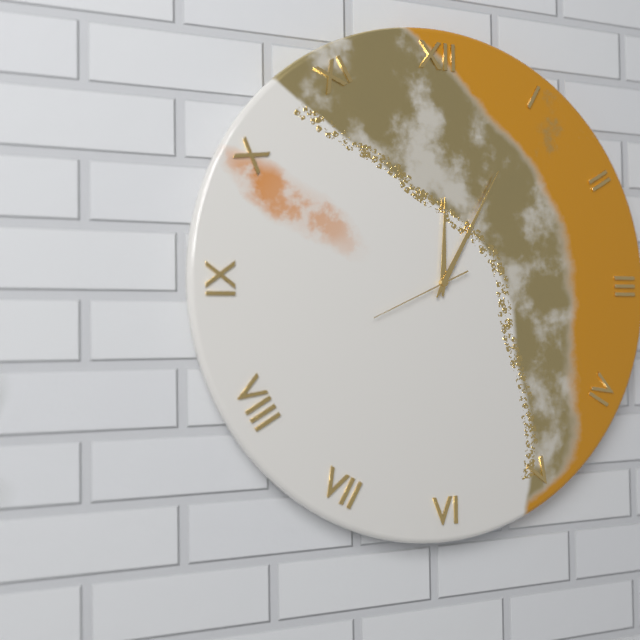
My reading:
12 h 05 min 41 s
